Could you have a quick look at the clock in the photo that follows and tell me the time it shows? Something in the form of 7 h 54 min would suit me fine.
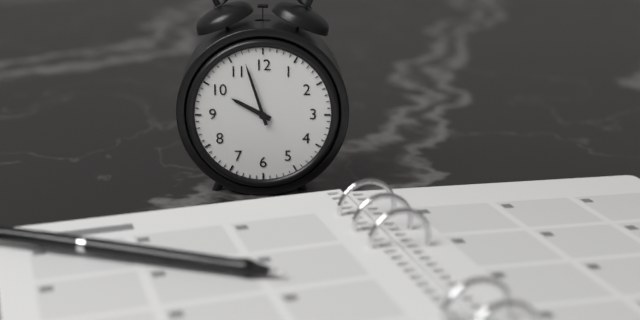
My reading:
9 h 57 min
